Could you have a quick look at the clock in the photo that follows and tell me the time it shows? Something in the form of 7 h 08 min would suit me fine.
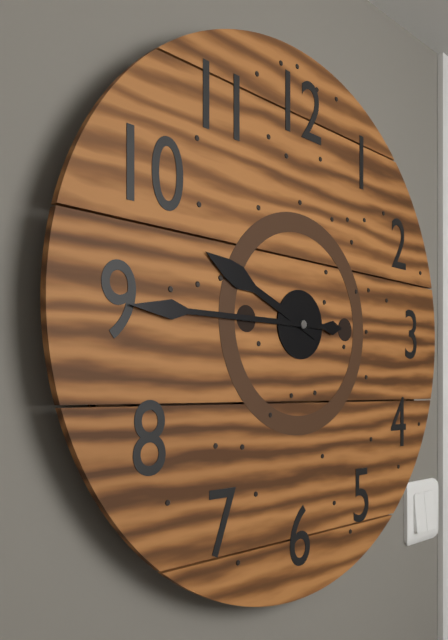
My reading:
9 h 45 min
